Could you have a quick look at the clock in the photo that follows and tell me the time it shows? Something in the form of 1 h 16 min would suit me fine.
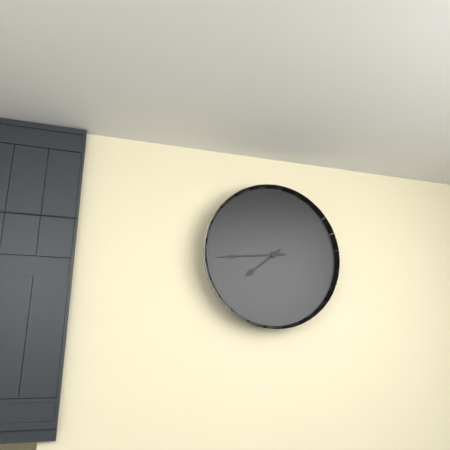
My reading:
7 h 44 min
